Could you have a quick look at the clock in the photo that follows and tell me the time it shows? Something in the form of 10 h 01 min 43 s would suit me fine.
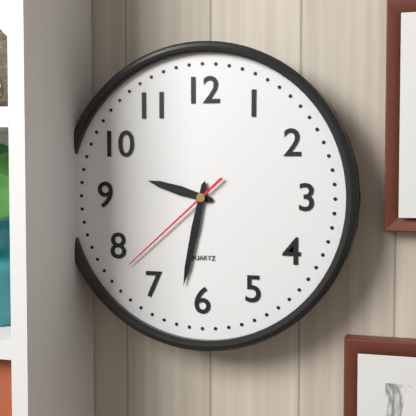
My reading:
9 h 32 min 38 s
